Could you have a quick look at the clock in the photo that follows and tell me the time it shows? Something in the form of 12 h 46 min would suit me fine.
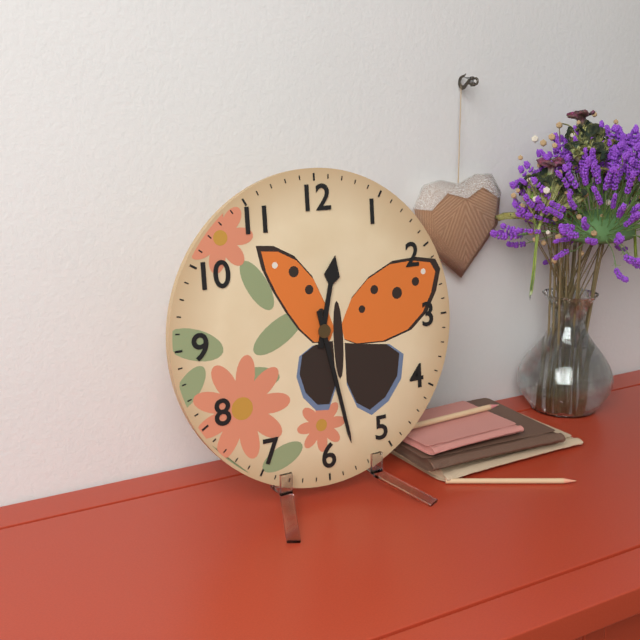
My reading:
12 h 28 min
